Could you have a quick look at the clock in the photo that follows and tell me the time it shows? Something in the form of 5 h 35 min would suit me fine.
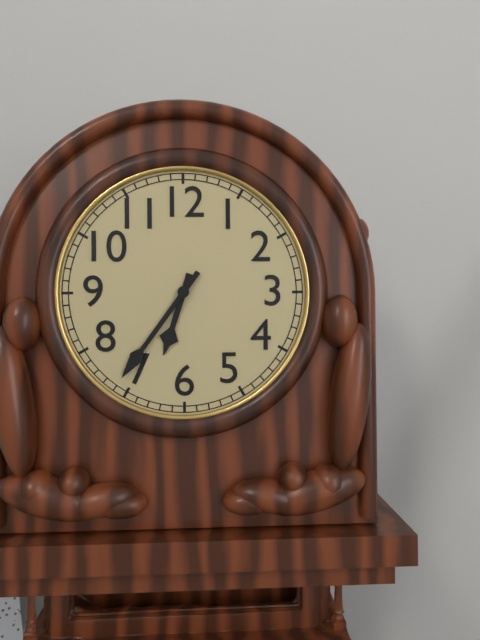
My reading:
6 h 36 min
